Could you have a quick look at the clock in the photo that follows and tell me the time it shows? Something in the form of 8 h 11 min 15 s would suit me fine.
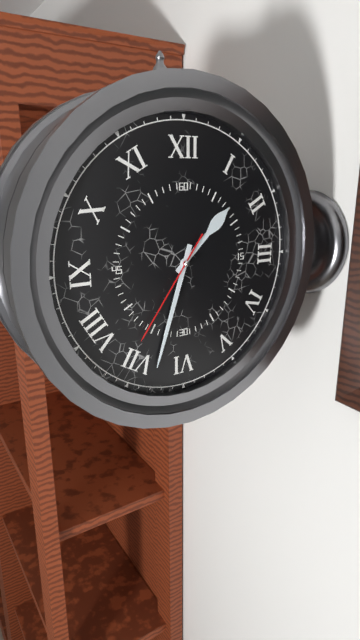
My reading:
1 h 33 min 36 s
